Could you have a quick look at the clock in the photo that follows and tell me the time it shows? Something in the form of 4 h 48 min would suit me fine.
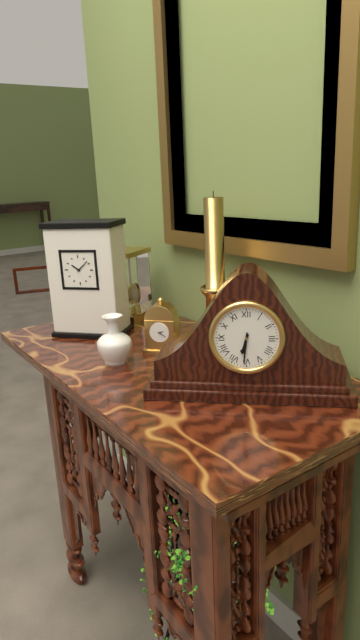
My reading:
6 h 31 min
